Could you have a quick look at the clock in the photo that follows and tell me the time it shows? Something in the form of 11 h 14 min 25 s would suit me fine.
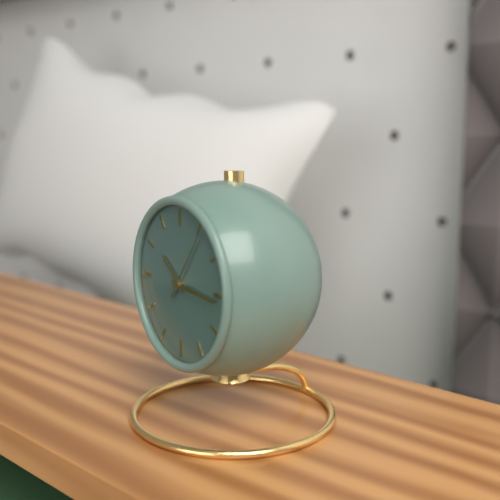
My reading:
10 h 16 min 06 s
